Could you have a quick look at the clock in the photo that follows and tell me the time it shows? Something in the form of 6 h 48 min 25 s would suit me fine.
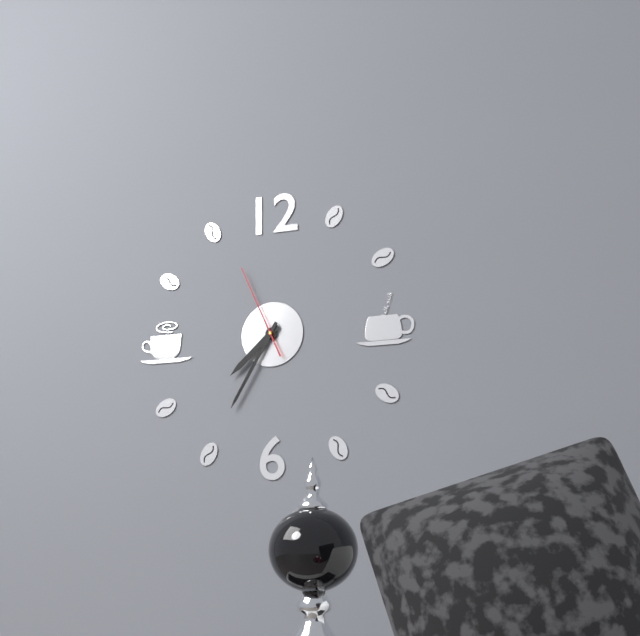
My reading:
7 h 35 min 56 s
